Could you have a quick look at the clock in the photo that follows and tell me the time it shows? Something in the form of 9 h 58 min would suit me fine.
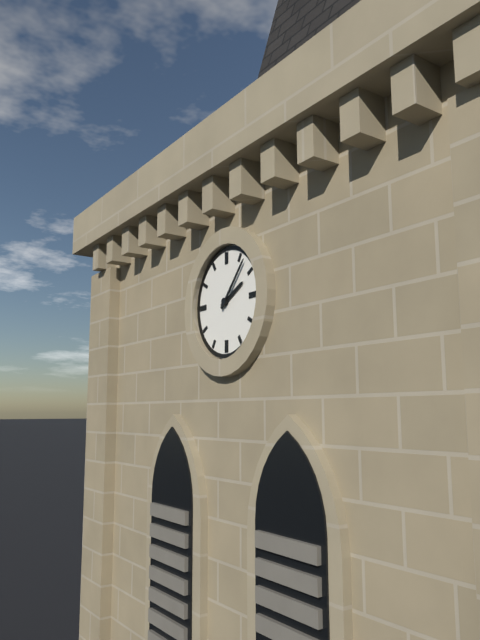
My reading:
2 h 07 min
